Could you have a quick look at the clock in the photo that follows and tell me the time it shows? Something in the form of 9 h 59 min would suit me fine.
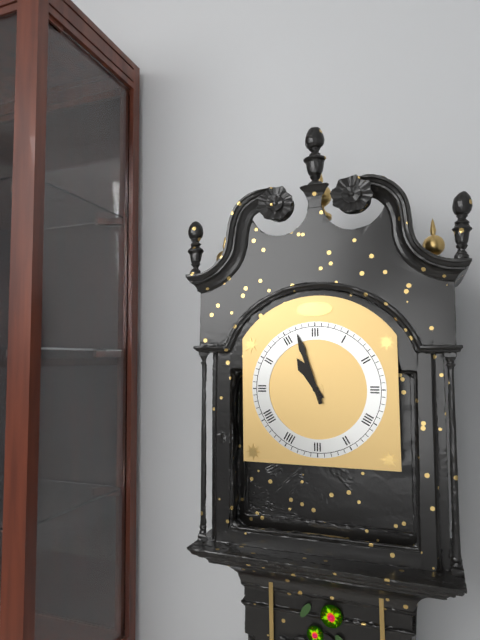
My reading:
10 h 57 min
